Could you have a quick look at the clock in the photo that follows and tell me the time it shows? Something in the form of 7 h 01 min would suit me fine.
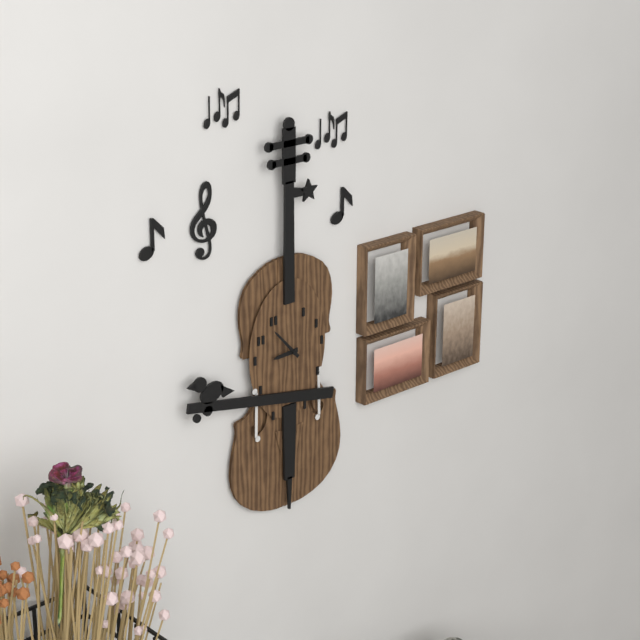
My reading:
8 h 53 min
